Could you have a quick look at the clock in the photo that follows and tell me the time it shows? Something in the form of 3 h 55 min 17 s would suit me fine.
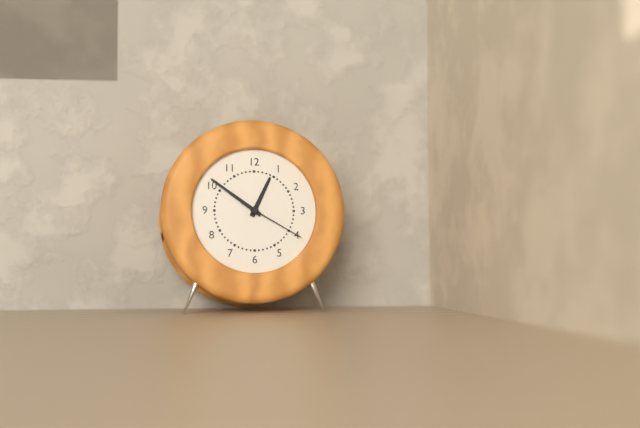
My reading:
12 h 51 min 20 s
